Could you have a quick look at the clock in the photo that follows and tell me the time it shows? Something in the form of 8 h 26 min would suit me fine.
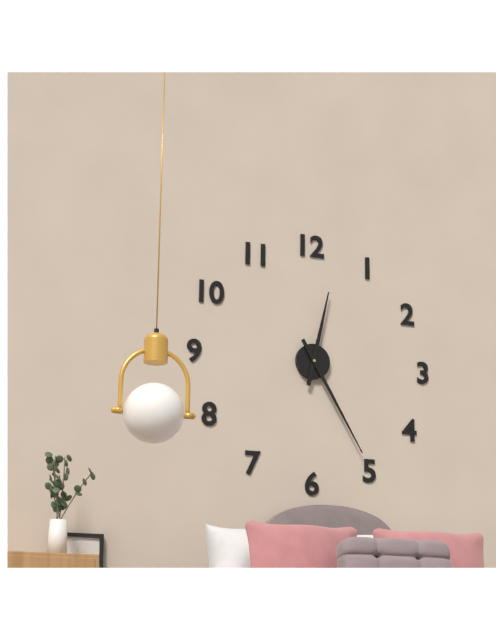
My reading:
12 h 25 min
